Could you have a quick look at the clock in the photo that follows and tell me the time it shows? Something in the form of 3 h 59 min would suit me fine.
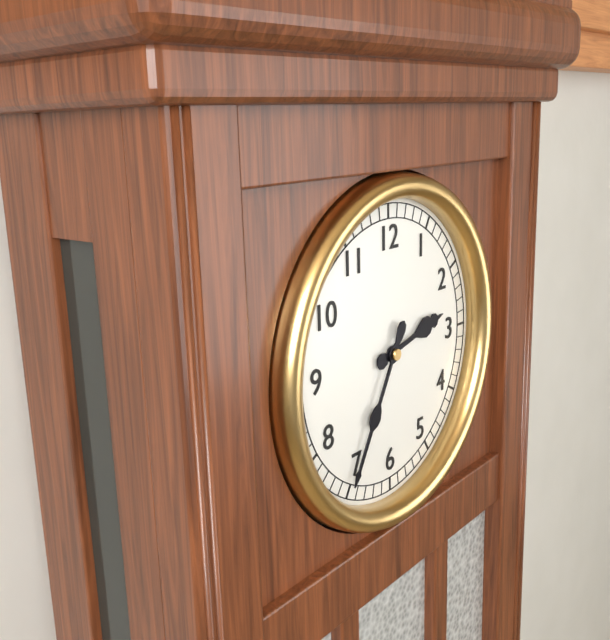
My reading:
2 h 35 min
